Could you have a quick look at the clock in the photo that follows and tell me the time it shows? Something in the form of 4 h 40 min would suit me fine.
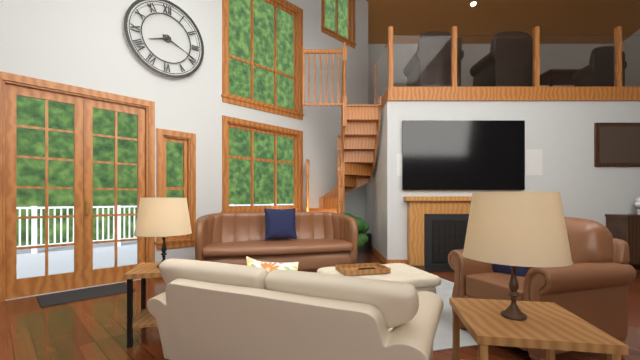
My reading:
8 h 19 min
